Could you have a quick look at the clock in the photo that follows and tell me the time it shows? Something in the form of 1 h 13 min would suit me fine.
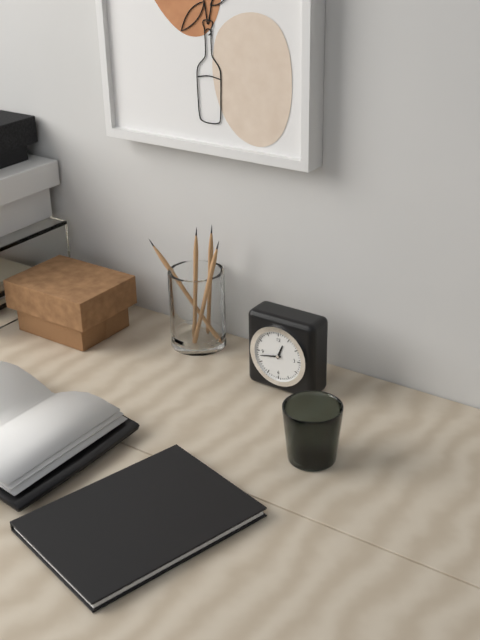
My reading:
12 h 43 min
